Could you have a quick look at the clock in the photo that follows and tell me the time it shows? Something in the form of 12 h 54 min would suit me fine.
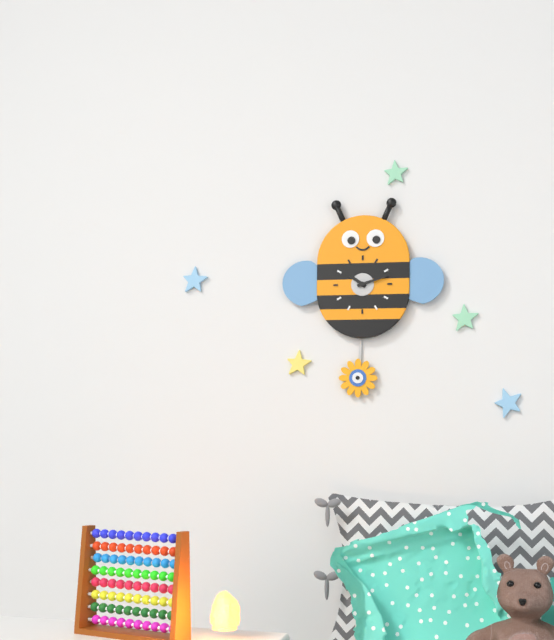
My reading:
10 h 12 min
